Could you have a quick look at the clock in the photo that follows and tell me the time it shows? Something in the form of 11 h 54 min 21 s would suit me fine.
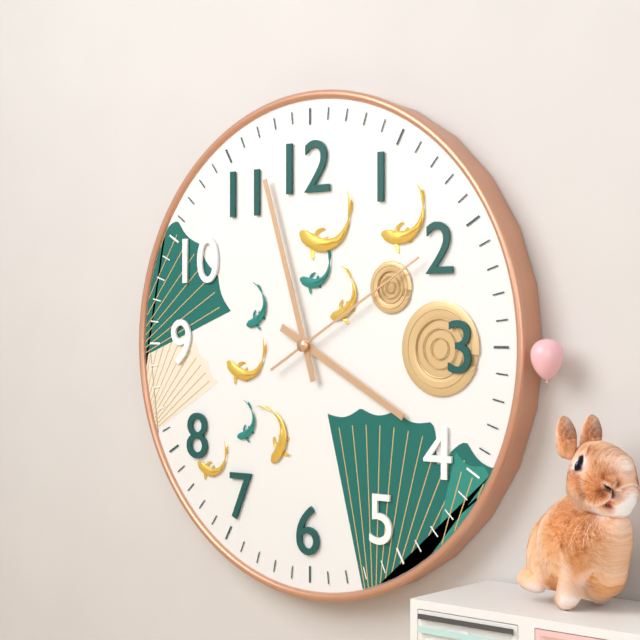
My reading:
3 h 57 min 10 s
